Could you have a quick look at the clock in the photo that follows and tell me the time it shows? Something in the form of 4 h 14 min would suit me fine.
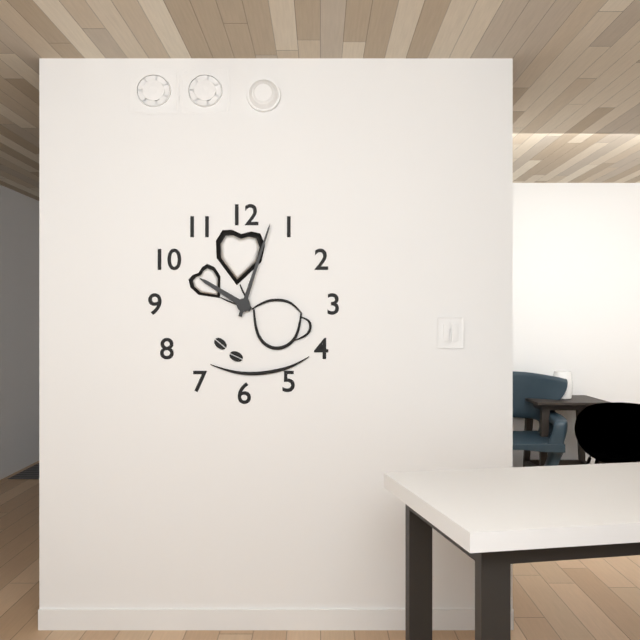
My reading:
10 h 03 min
